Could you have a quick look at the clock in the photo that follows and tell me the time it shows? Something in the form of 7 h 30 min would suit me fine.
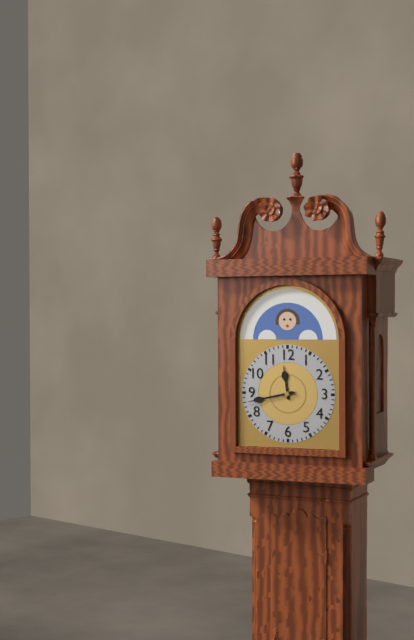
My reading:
11 h 43 min
